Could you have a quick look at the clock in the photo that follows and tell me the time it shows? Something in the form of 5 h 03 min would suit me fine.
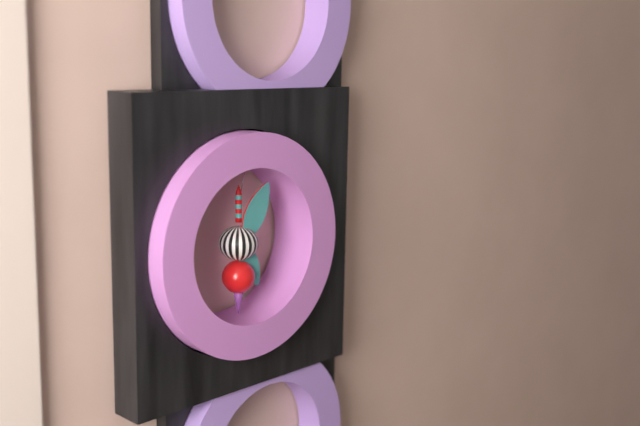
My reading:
5 h 05 min
